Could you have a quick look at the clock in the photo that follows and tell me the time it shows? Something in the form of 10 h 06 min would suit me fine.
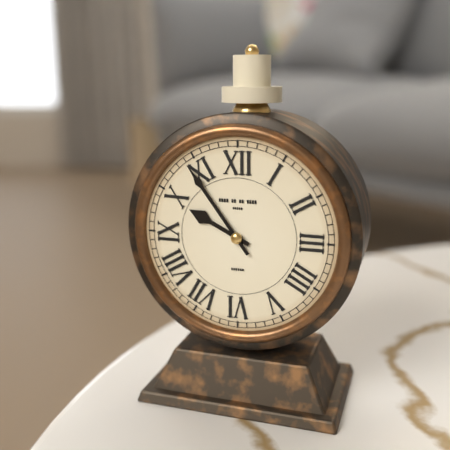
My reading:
9 h 54 min
